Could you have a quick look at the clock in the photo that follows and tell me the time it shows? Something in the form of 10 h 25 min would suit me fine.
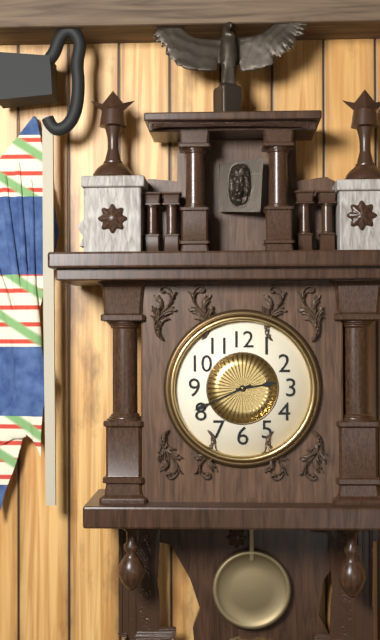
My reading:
2 h 41 min
